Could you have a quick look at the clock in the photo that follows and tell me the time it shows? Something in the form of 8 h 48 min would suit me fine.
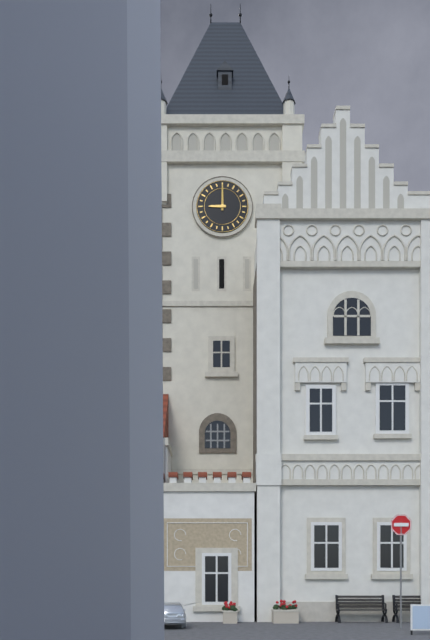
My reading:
9 h 00 min
